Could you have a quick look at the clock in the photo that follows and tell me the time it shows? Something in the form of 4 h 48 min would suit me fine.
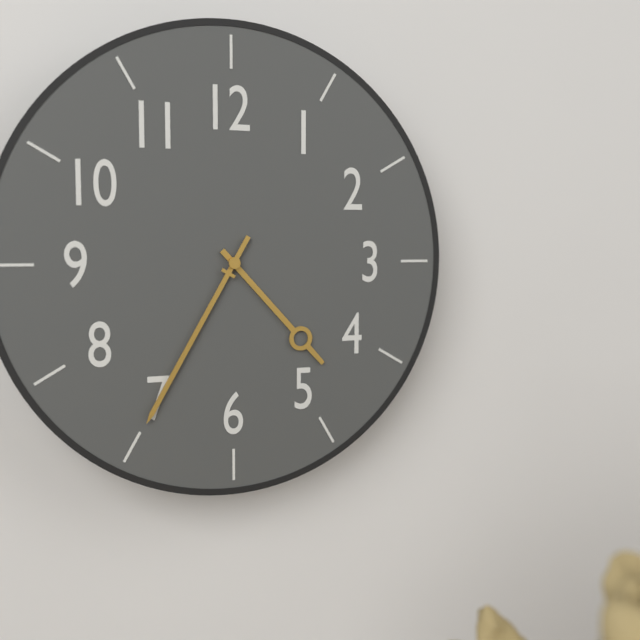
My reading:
4 h 35 min
